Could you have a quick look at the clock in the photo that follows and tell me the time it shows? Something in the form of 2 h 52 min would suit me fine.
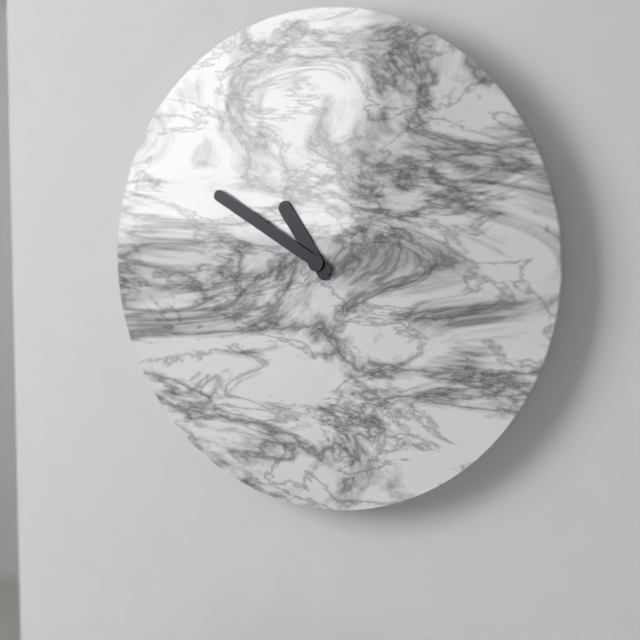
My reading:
10 h 50 min
